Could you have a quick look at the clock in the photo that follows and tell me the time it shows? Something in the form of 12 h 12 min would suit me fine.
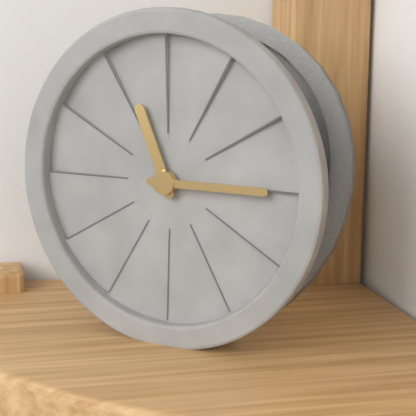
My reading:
11 h 15 min
